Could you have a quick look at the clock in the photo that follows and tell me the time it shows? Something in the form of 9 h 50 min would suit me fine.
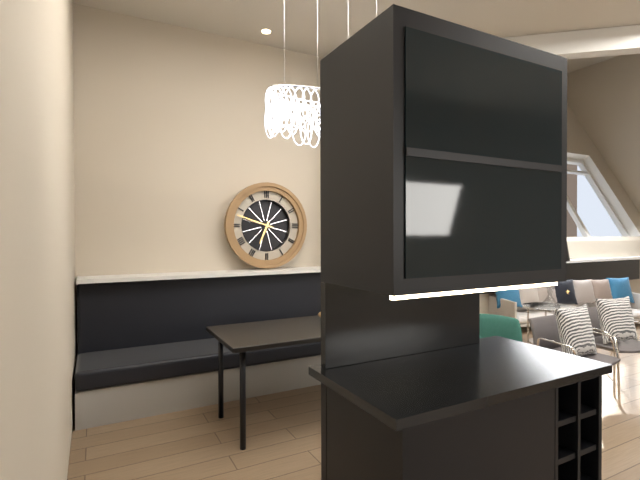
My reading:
6 h 48 min
